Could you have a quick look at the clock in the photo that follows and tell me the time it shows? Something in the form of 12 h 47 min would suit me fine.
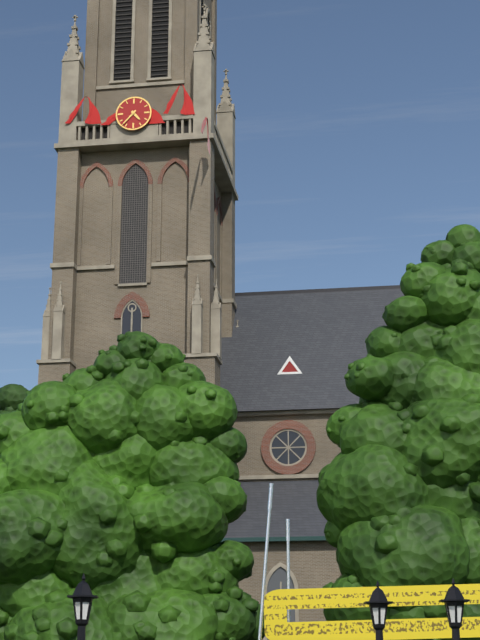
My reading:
4 h 37 min
